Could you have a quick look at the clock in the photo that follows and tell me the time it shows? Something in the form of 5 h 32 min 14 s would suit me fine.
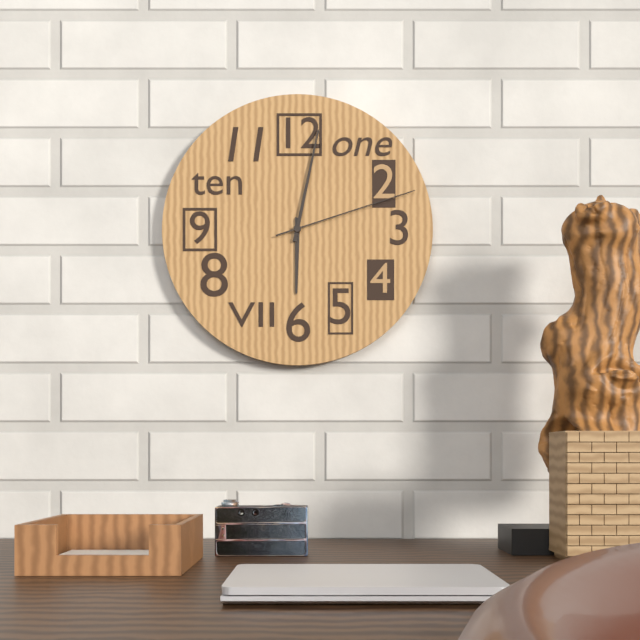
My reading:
6 h 02 min 12 s
